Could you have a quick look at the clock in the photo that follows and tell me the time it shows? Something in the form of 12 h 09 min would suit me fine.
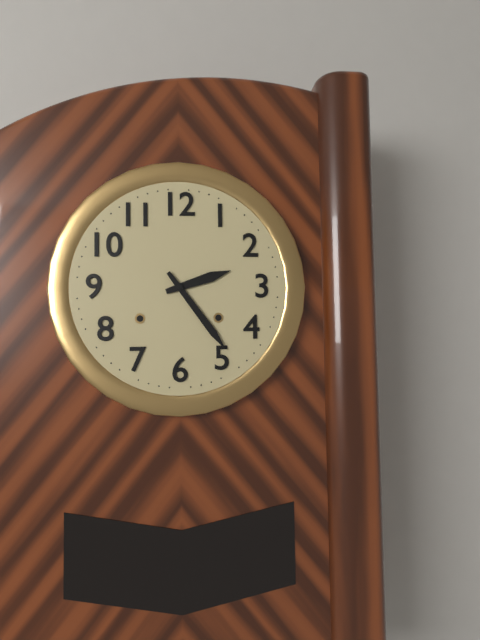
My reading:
2 h 24 min
